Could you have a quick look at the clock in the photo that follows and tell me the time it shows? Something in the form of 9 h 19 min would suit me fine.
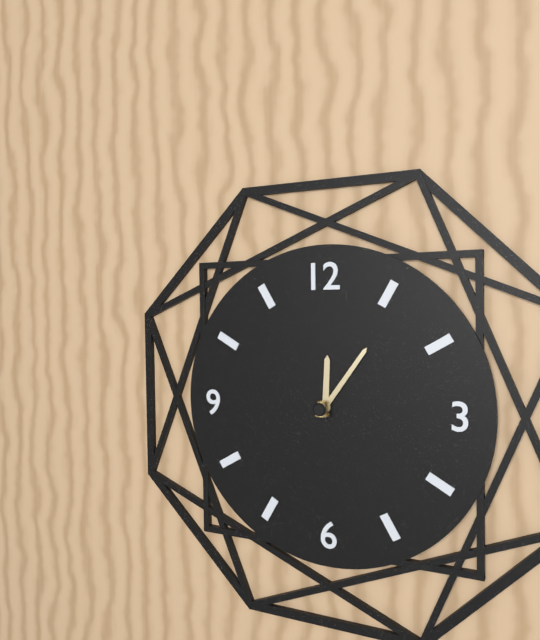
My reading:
12 h 06 min
